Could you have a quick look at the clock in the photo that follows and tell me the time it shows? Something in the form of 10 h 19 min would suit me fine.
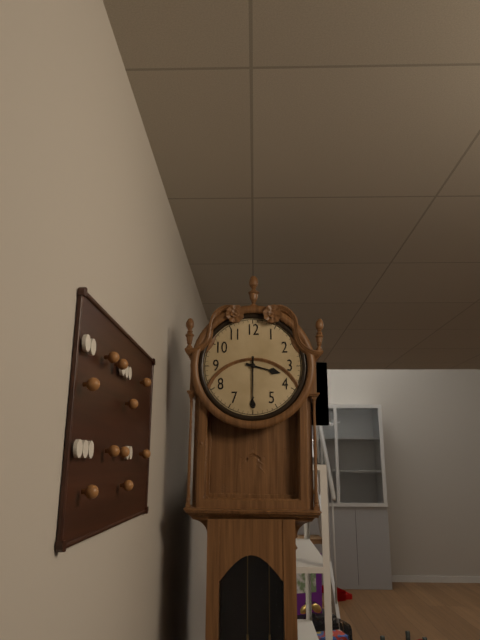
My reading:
3 h 30 min
